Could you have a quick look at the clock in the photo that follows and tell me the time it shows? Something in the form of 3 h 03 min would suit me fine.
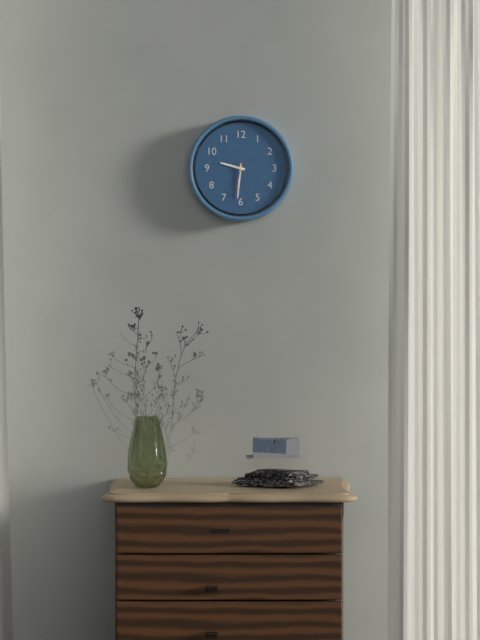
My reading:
9 h 31 min
